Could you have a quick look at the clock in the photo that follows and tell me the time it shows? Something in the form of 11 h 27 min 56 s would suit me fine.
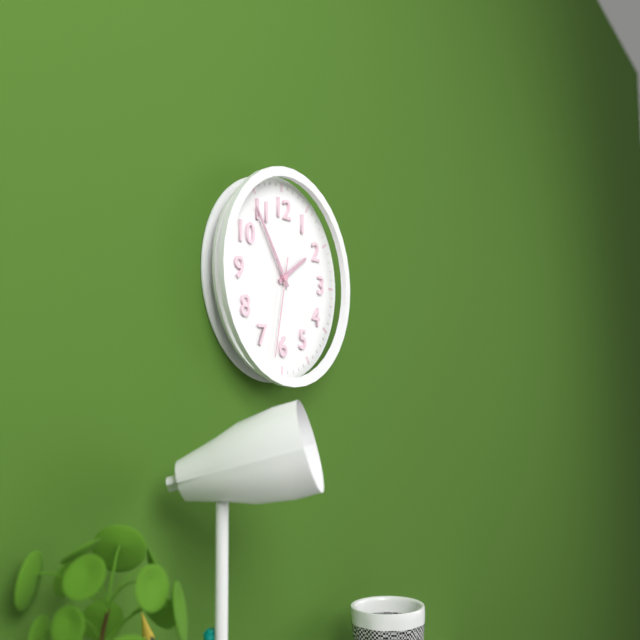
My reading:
1 h 54 min 32 s
